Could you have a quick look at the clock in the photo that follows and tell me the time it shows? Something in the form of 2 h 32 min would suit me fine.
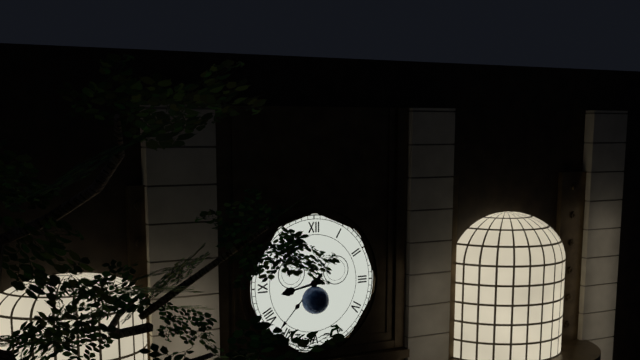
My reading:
8 h 37 min
